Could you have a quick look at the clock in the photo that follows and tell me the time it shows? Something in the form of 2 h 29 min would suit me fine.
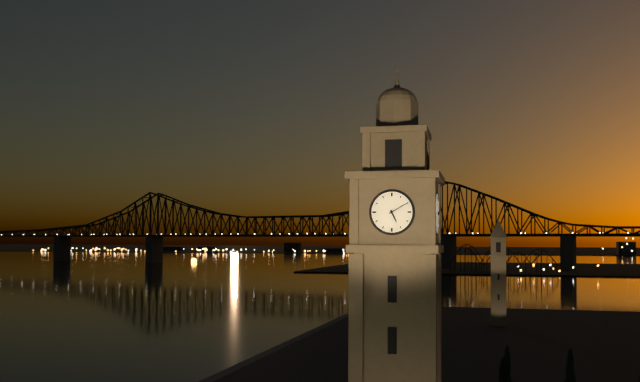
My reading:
5 h 10 min
